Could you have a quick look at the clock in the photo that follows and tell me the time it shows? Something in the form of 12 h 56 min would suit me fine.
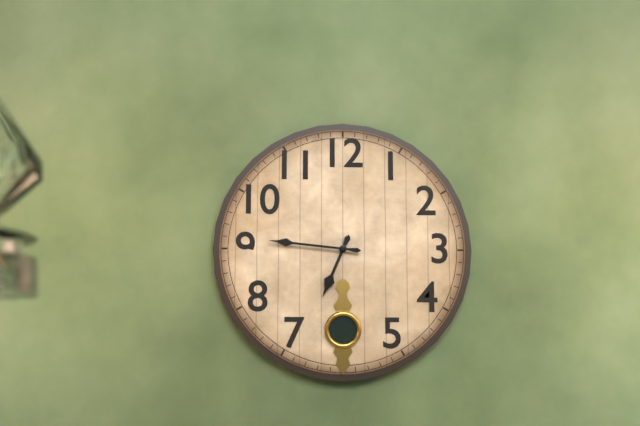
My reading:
6 h 46 min
